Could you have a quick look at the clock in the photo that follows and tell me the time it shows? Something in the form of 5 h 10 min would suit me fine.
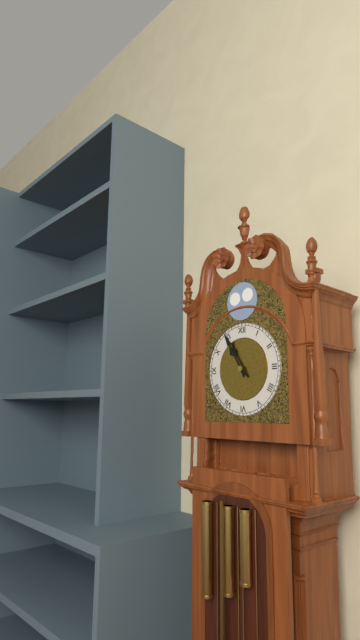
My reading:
10 h 55 min
